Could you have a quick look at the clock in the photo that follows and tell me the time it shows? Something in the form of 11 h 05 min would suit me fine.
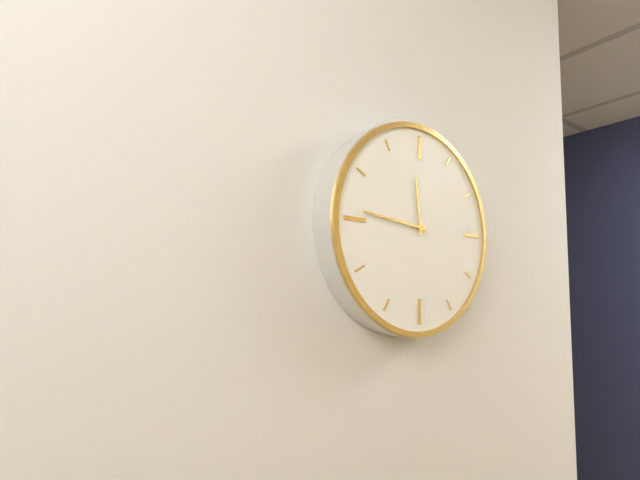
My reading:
11 h 46 min
